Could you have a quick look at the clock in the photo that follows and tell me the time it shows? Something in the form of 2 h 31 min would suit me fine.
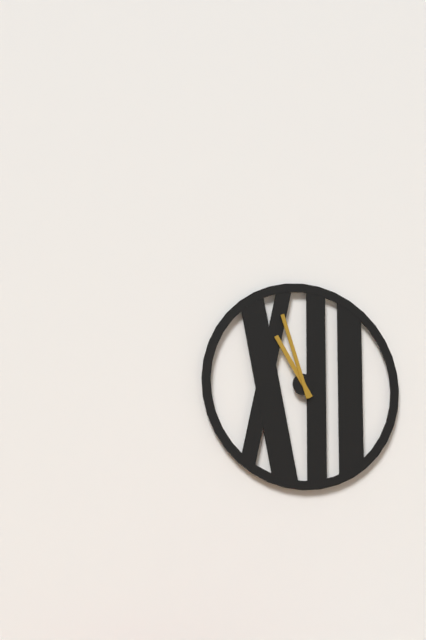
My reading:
10 h 57 min
